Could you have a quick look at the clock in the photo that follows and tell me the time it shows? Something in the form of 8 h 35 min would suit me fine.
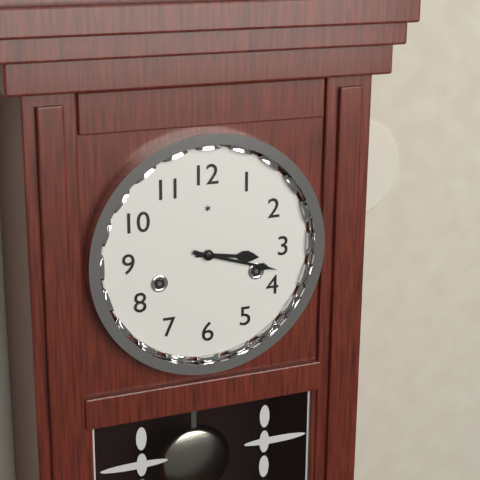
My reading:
3 h 18 min
